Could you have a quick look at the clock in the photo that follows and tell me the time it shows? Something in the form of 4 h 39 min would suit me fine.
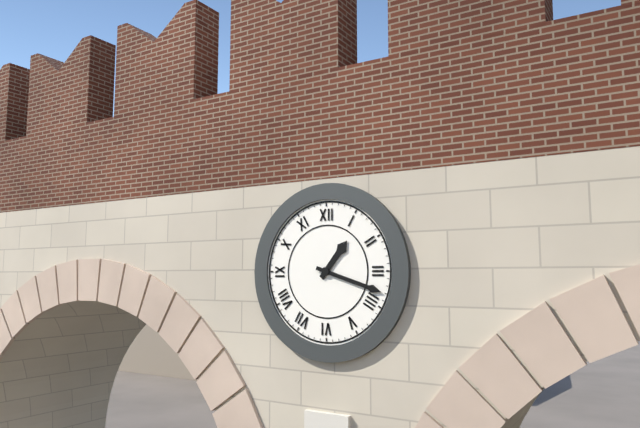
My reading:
1 h 18 min
